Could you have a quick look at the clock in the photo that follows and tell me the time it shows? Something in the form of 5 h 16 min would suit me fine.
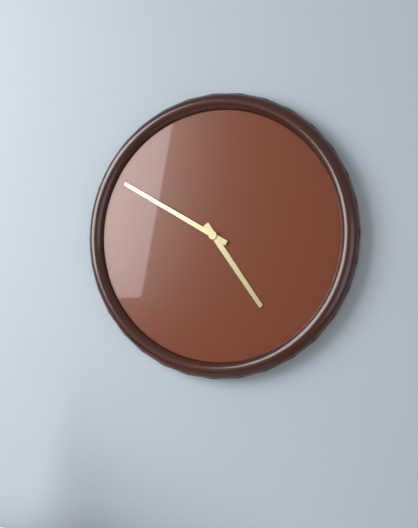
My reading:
4 h 50 min
